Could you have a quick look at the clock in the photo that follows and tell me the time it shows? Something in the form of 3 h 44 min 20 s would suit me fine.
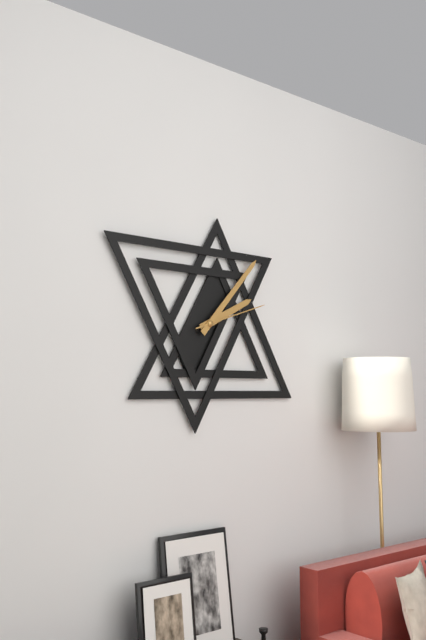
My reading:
2 h 07 min 12 s
